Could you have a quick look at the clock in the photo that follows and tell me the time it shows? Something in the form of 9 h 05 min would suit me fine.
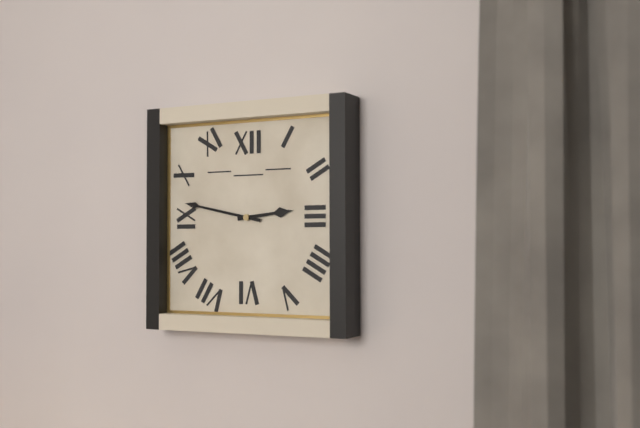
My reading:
2 h 47 min
